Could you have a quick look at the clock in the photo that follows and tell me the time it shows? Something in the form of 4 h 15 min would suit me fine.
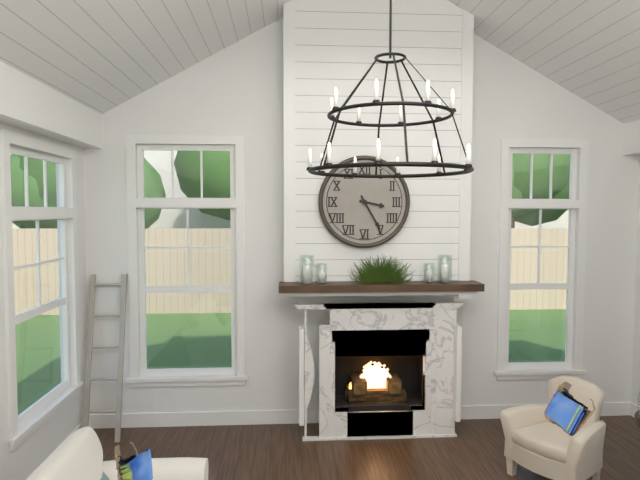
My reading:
3 h 25 min
